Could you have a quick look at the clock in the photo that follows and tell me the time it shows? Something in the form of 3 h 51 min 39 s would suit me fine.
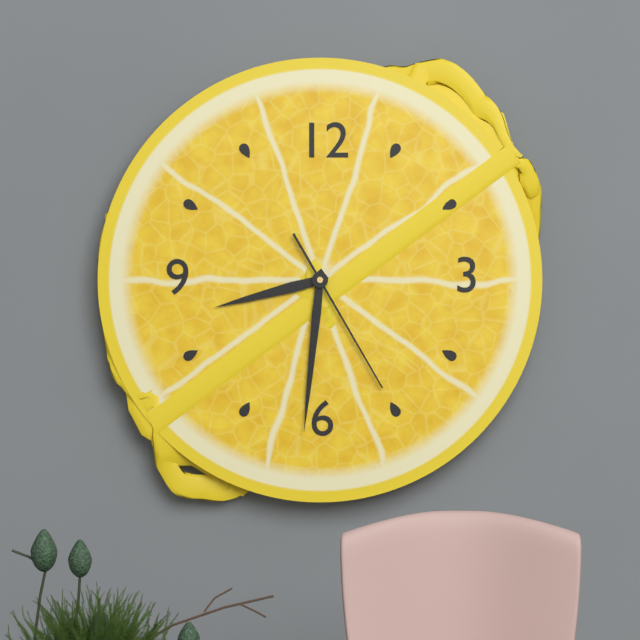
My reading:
8 h 31 min 25 s
